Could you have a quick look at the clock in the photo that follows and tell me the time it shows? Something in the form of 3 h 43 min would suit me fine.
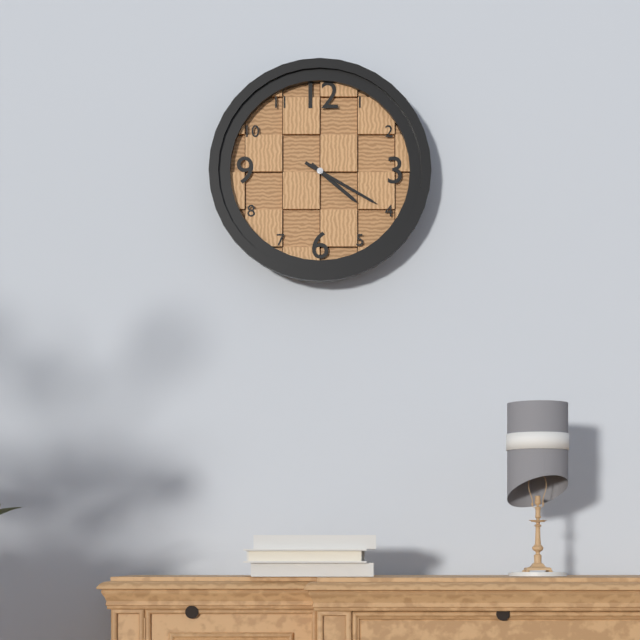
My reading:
4 h 20 min
